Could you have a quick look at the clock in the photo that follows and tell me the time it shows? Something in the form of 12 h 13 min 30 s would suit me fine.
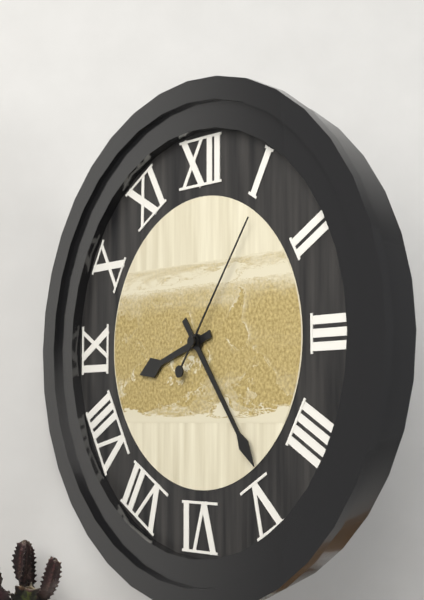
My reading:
8 h 24 min 06 s
